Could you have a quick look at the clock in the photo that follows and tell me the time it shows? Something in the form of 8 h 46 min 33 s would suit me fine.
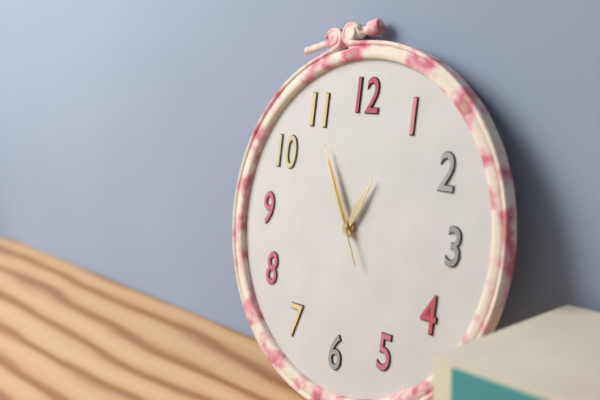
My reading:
12 h 55 min 55 s
